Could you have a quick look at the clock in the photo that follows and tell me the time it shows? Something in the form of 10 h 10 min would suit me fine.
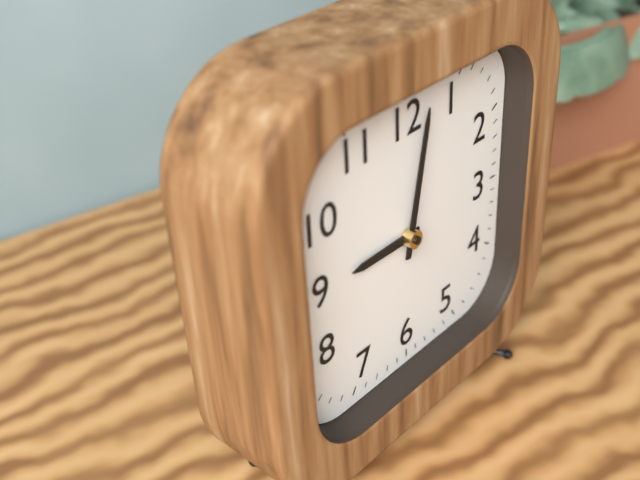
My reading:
9 h 02 min
